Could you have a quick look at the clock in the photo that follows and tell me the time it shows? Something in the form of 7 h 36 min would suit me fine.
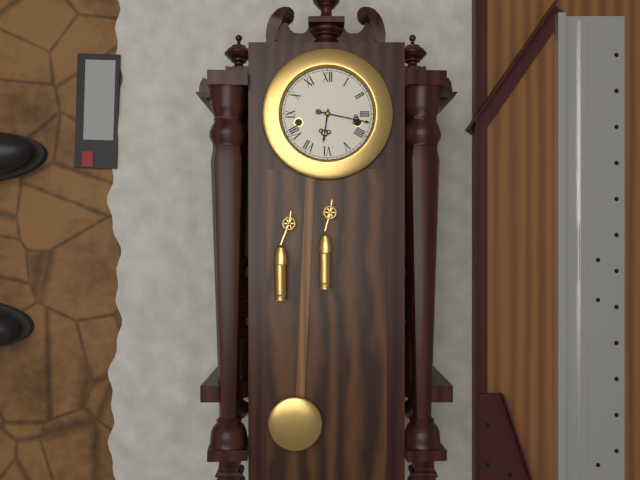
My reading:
6 h 17 min
